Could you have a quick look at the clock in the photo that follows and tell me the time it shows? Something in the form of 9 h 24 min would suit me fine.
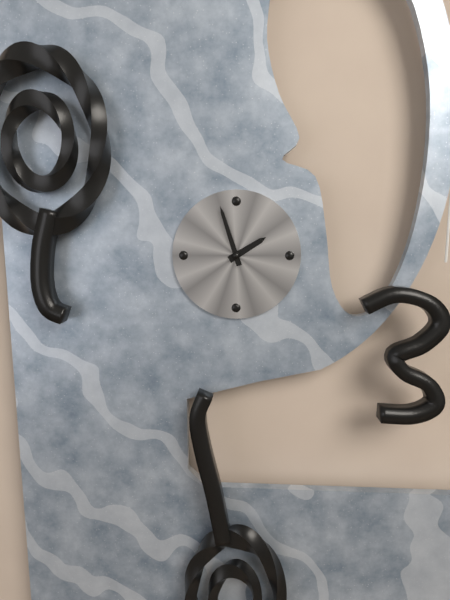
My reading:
1 h 57 min
